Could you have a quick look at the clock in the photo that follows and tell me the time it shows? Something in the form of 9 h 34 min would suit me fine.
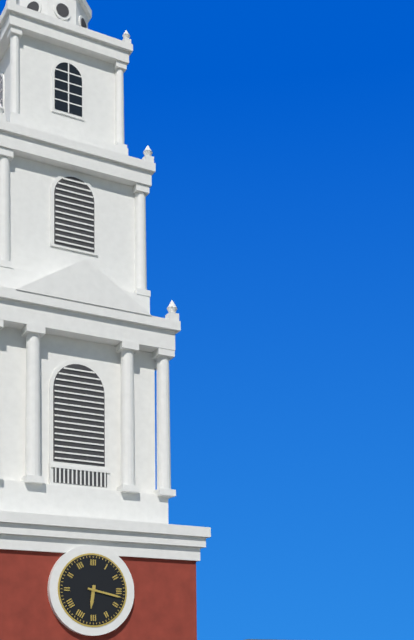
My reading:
6 h 17 min
